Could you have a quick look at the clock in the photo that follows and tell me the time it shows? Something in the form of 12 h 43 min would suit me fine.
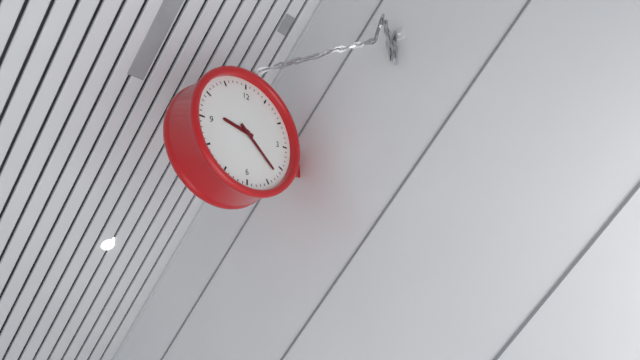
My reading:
9 h 22 min
